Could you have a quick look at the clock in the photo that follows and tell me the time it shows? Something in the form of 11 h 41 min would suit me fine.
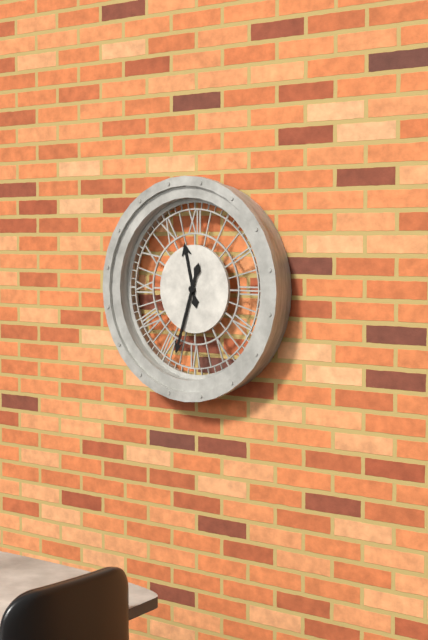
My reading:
11 h 33 min
